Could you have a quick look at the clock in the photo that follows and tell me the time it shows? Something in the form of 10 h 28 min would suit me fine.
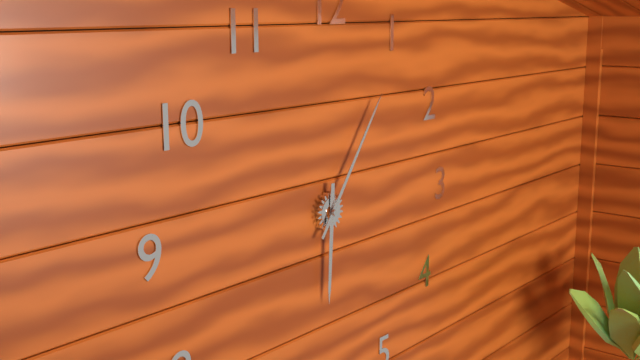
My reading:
6 h 06 min
